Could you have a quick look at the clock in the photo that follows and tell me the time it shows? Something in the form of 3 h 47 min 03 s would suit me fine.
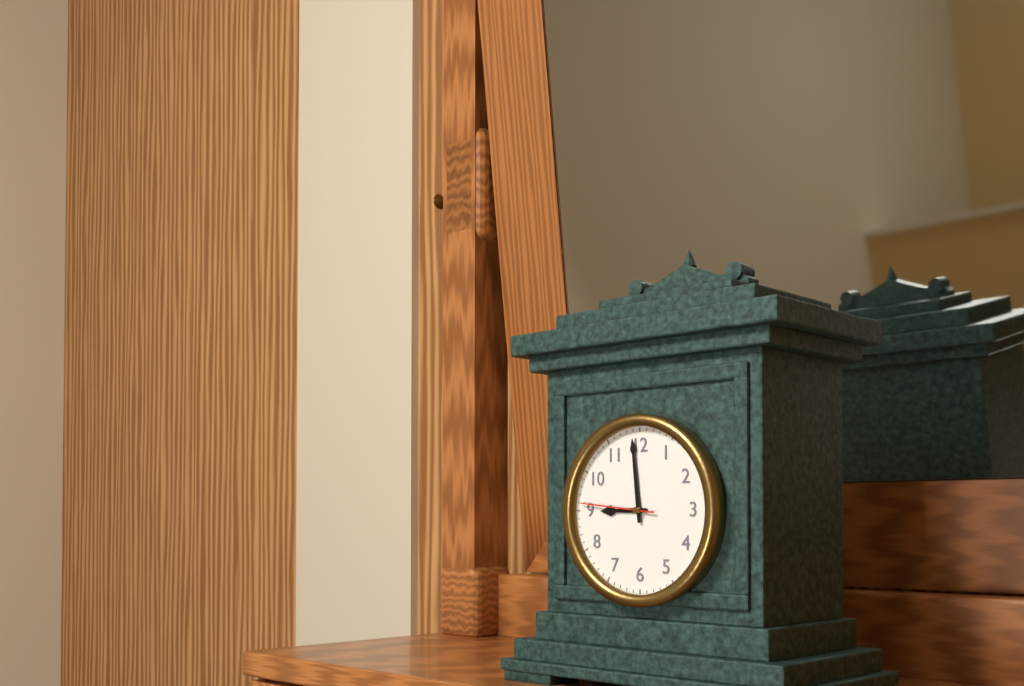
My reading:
8 h 59 min 46 s
